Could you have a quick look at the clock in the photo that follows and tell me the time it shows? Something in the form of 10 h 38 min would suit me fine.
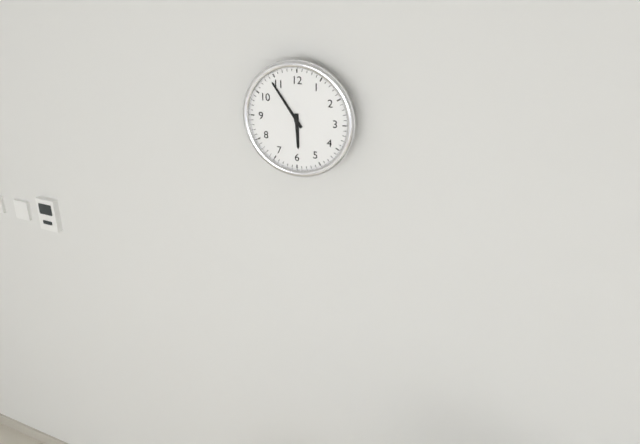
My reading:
5 h 54 min
